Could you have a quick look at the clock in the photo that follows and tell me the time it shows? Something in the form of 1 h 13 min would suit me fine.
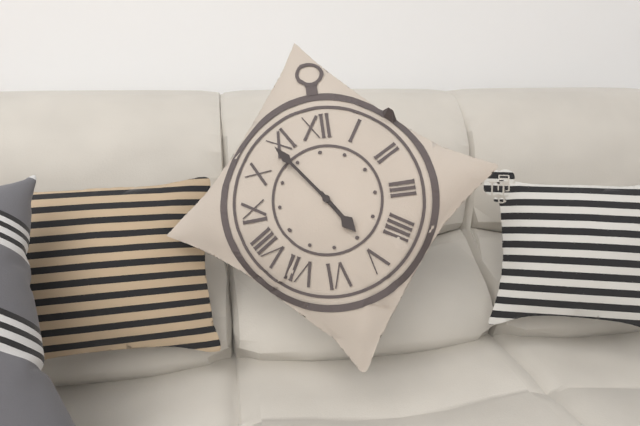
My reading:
4 h 54 min
